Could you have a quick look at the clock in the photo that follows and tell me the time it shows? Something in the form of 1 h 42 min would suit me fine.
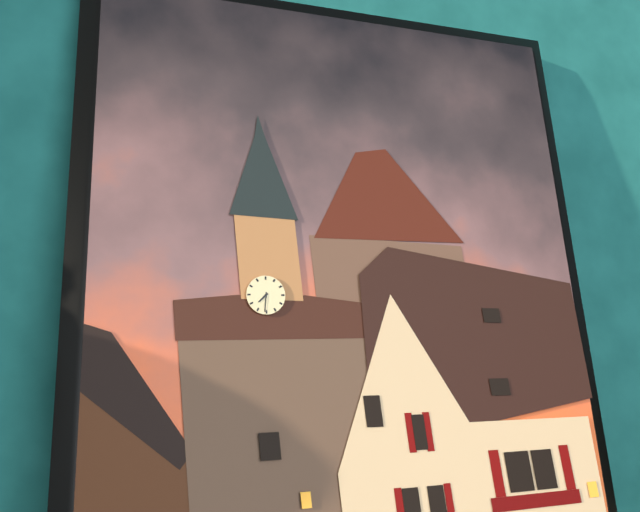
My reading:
7 h 31 min
